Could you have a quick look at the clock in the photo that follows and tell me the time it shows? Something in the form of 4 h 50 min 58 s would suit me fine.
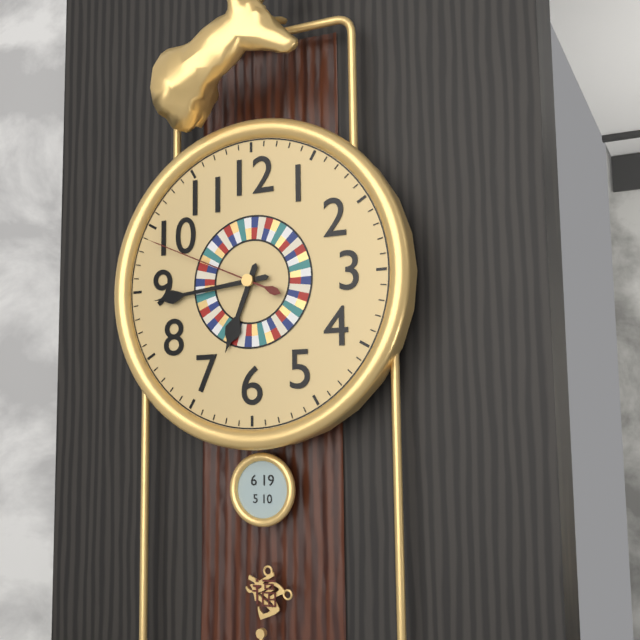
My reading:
6 h 44 min 49 s
